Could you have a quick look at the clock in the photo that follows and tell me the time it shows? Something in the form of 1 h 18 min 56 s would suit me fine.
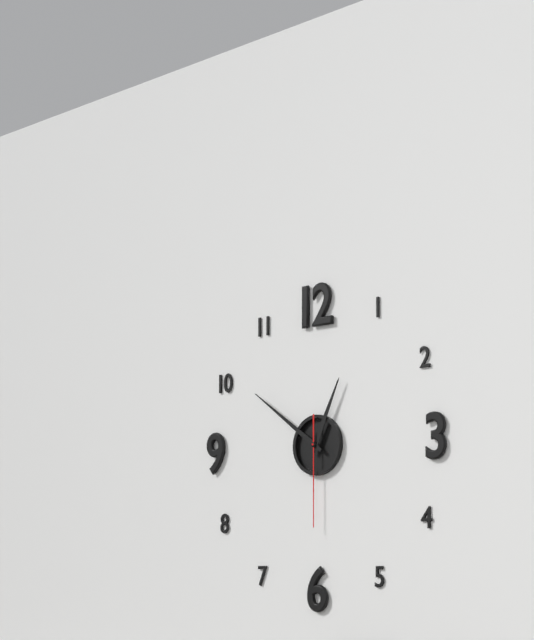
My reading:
12 h 51 min 30 s
